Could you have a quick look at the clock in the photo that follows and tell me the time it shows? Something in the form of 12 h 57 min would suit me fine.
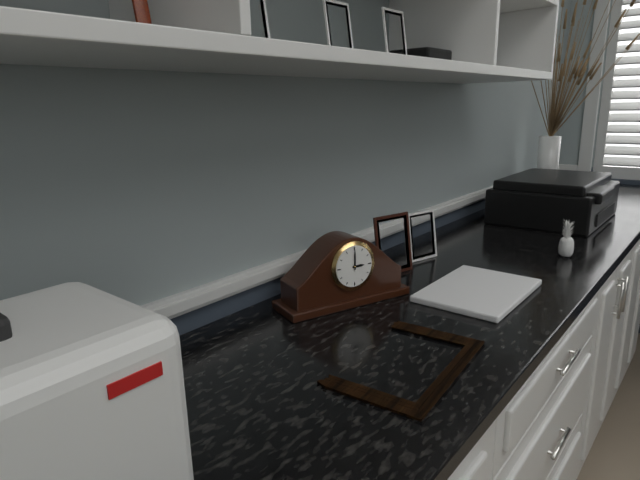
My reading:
3 h 00 min
